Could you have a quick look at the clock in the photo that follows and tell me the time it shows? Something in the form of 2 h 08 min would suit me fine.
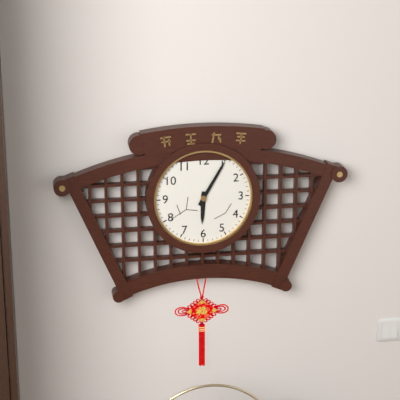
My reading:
6 h 05 min
